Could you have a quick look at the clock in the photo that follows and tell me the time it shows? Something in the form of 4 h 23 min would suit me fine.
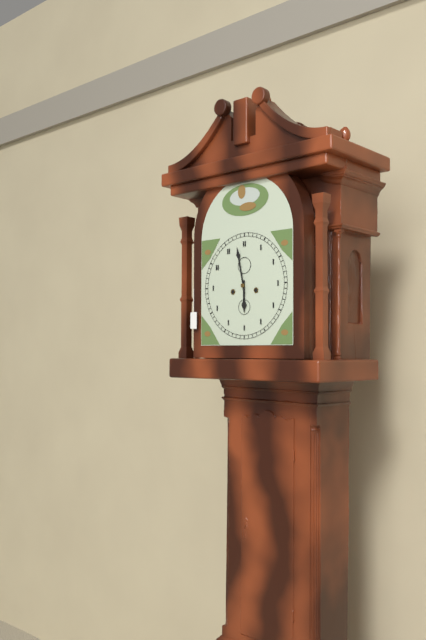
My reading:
5 h 58 min
